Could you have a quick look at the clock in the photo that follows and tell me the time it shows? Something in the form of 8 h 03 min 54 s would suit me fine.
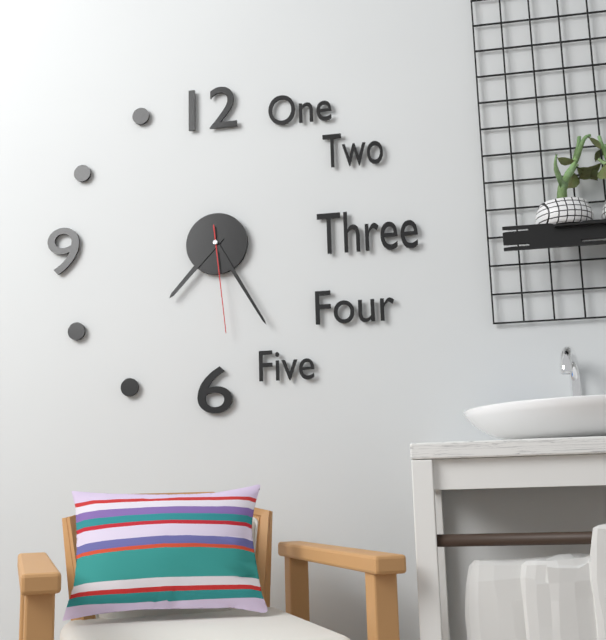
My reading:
7 h 25 min 29 s
